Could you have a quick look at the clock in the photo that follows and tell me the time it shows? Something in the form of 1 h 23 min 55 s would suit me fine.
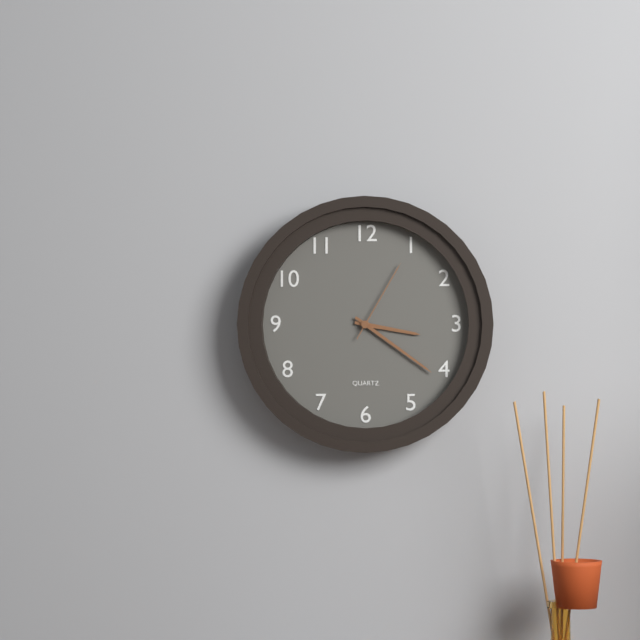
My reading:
3 h 21 min 05 s
